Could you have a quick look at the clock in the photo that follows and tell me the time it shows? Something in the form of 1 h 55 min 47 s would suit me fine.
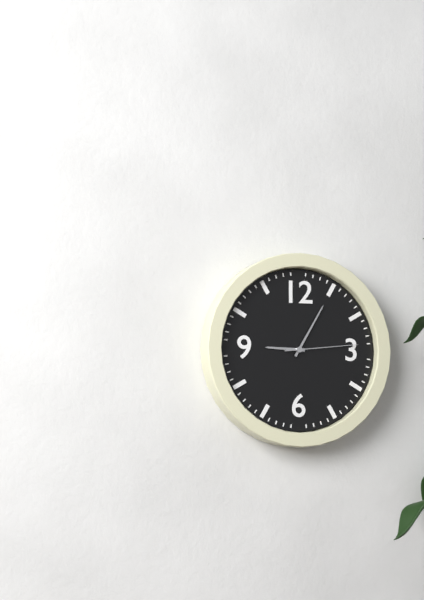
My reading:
9 h 05 min 14 s
